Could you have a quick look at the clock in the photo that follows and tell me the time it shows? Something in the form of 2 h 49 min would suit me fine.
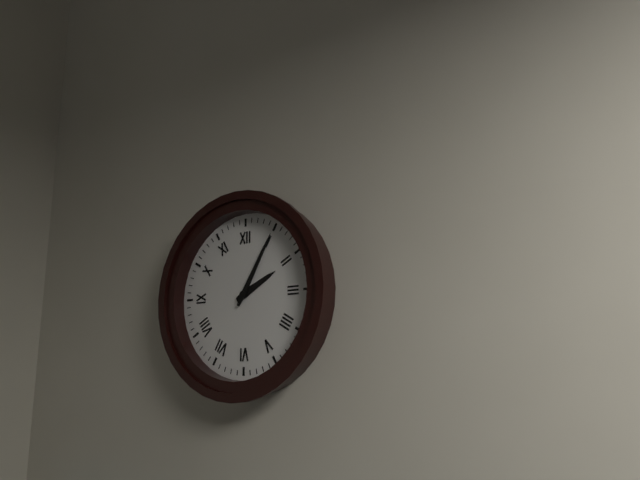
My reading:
2 h 05 min
